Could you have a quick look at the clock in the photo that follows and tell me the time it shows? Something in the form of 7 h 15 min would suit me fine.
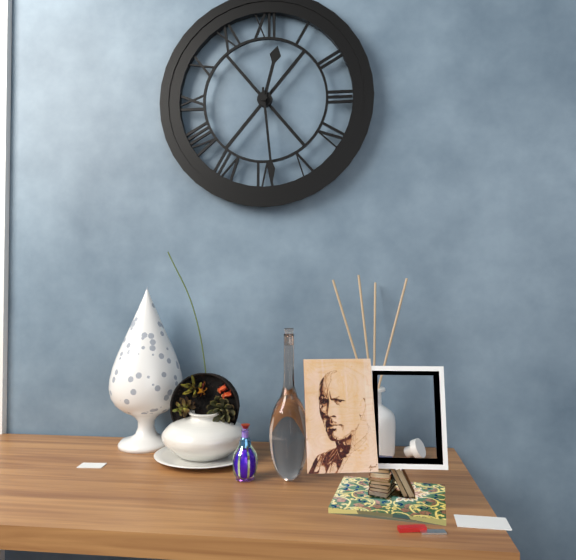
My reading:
12 h 29 min
